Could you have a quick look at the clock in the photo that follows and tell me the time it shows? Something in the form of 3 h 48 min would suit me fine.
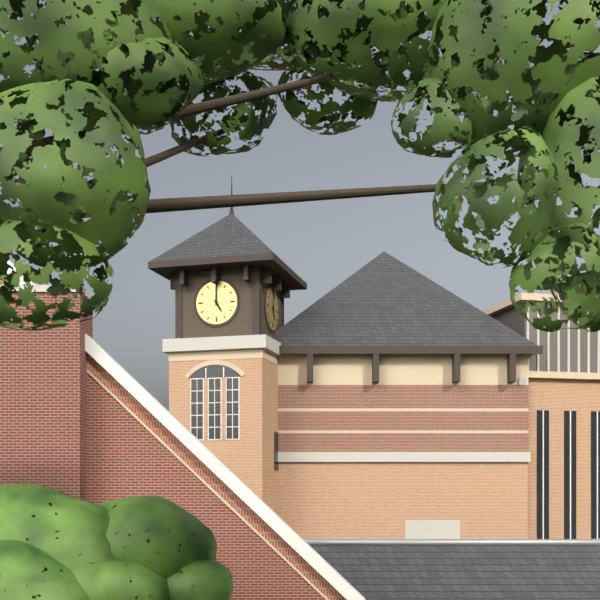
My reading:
5 h 00 min
